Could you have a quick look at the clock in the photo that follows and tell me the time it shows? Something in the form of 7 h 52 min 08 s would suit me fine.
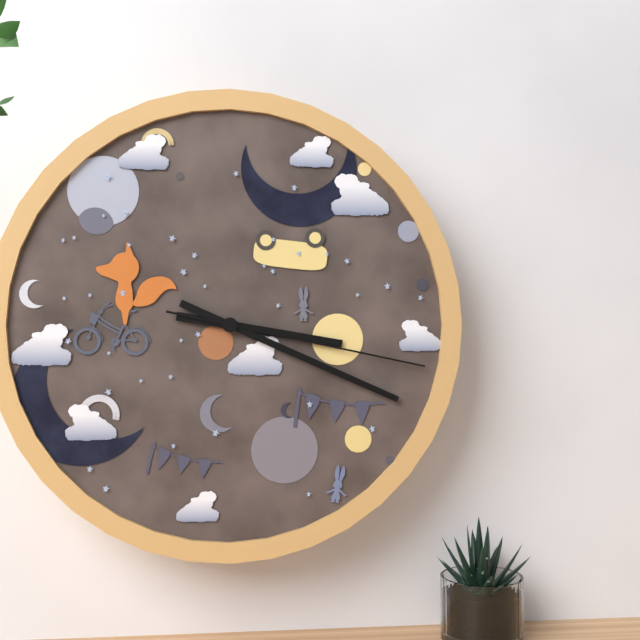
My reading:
3 h 19 min 17 s
